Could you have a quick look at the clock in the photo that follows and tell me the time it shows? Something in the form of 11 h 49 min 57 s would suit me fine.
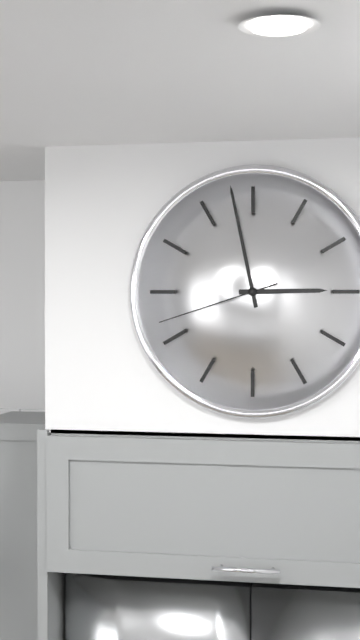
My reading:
2 h 58 min 42 s
